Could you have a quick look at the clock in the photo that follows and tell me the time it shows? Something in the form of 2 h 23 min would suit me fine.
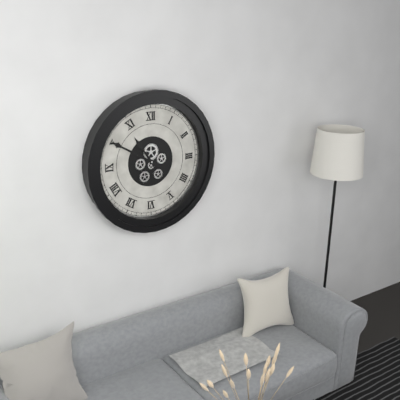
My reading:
10 h 50 min
